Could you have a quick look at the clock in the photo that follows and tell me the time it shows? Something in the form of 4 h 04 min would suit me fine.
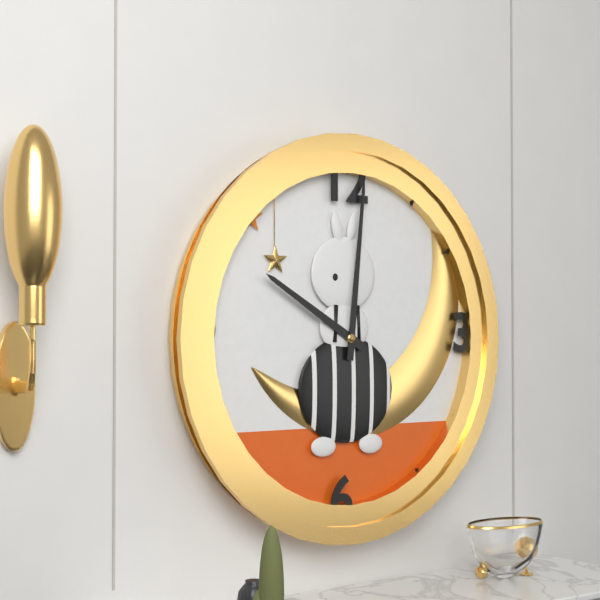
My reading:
10 h 01 min
